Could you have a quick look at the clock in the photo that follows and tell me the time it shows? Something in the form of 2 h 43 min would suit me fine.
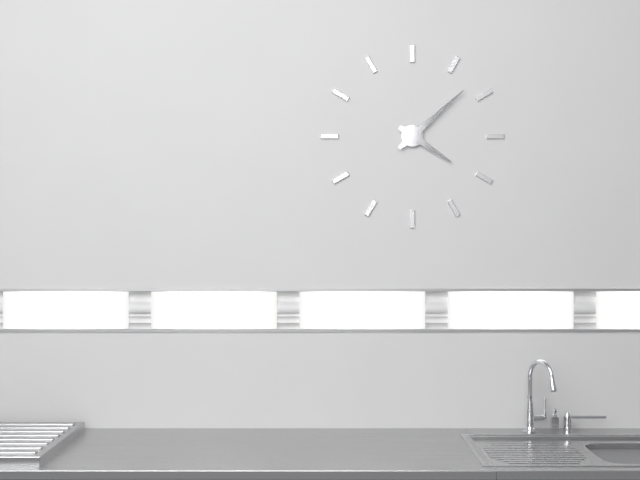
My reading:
4 h 08 min
